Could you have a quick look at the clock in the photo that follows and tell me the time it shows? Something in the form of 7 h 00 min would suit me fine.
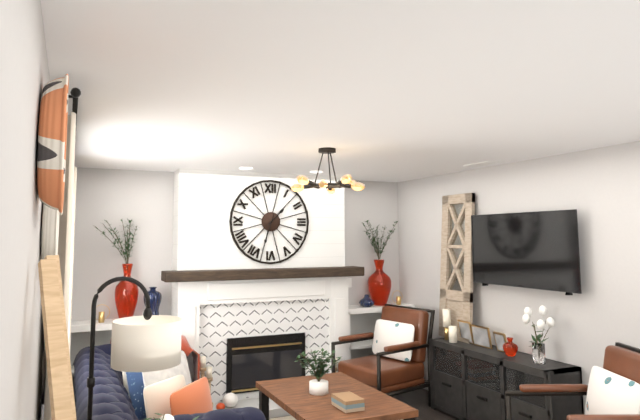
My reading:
1 h 33 min
